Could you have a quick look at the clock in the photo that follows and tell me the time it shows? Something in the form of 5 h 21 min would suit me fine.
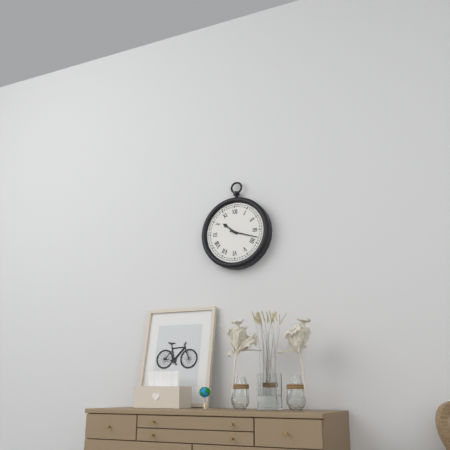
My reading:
10 h 18 min
